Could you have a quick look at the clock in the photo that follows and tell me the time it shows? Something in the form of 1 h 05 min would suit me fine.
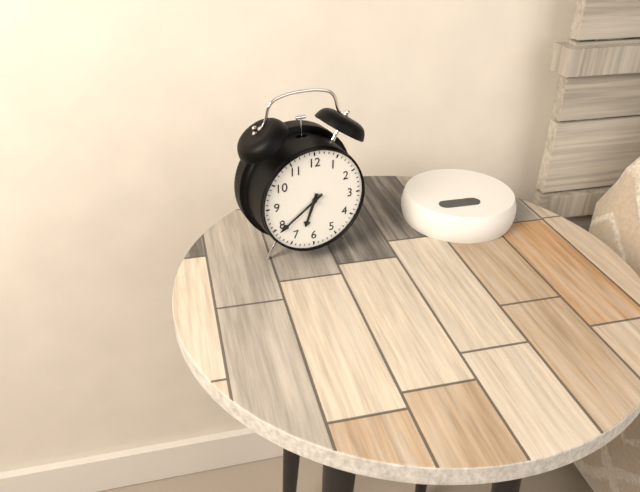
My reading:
6 h 39 min
